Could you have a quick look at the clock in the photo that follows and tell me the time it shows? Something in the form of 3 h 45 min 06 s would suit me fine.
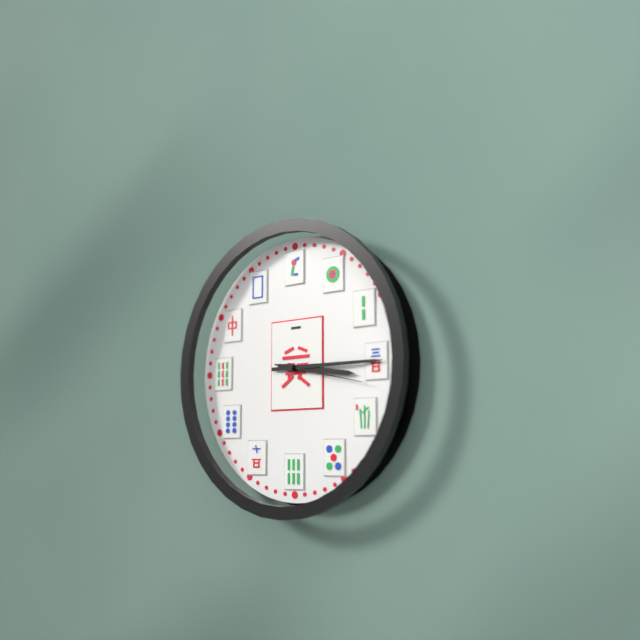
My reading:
3 h 15 min 17 s
